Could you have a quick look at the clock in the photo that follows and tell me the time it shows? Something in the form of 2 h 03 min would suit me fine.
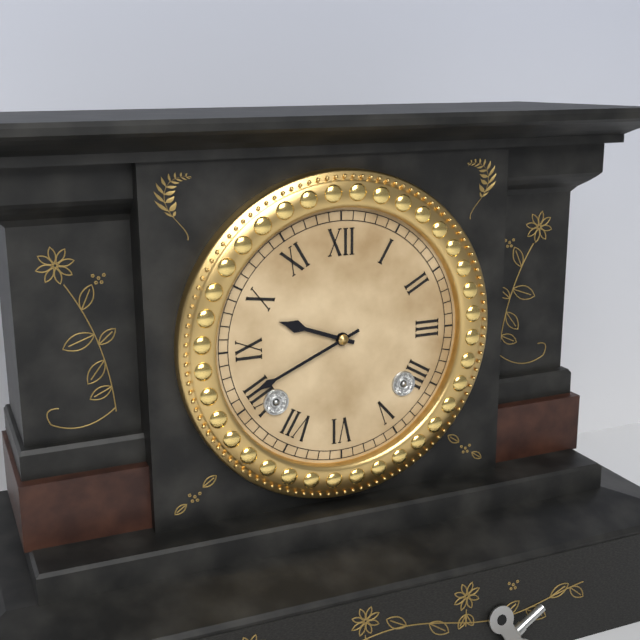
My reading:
9 h 41 min
